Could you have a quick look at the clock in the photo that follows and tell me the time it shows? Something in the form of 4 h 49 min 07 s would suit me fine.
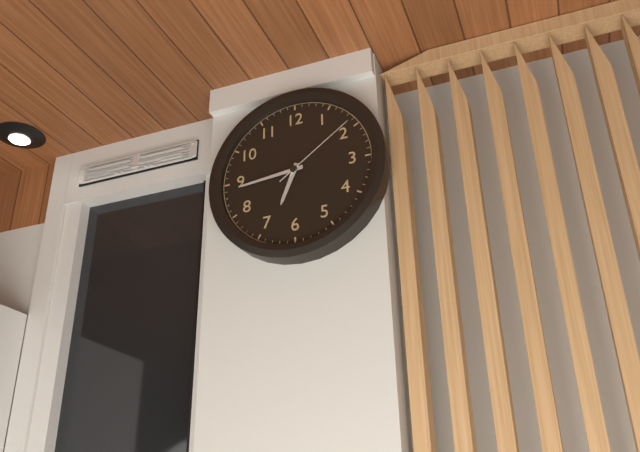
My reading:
6 h 44 min 09 s
